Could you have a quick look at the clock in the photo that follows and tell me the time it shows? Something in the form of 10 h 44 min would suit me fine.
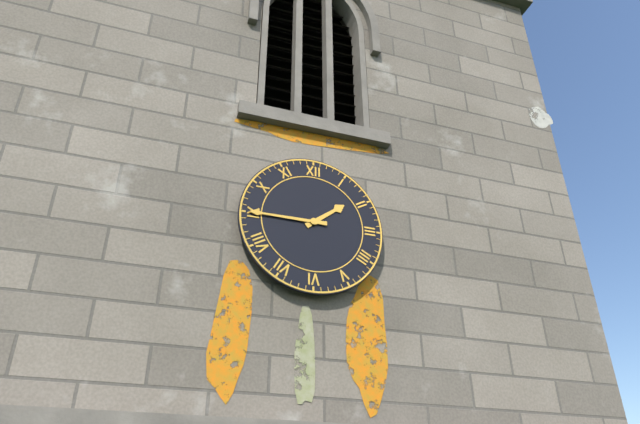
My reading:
1 h 45 min
